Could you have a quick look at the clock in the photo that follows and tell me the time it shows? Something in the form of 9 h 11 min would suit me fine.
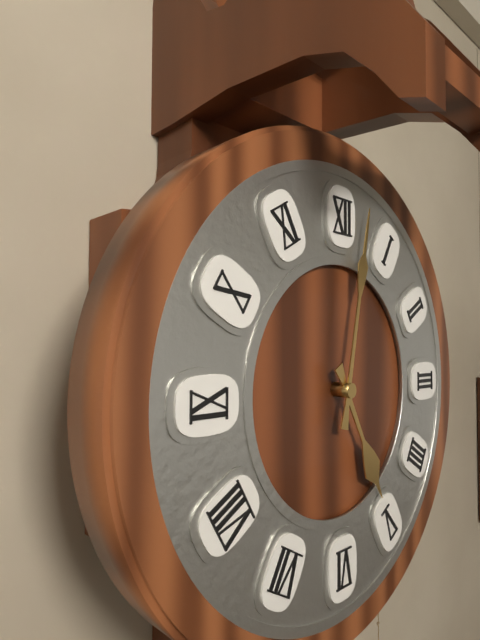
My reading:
5 h 02 min
